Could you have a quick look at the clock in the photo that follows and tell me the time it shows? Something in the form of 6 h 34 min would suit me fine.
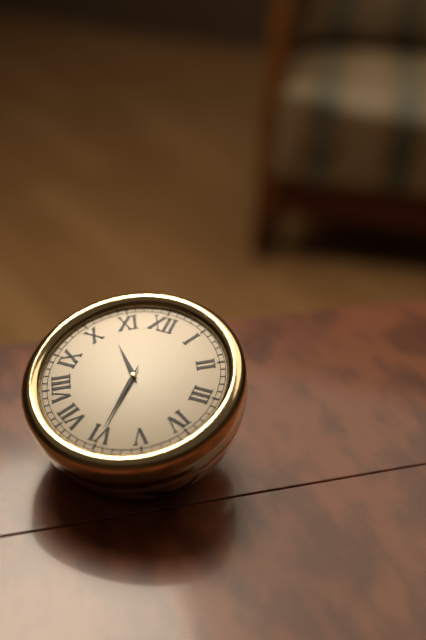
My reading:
10 h 30 min
